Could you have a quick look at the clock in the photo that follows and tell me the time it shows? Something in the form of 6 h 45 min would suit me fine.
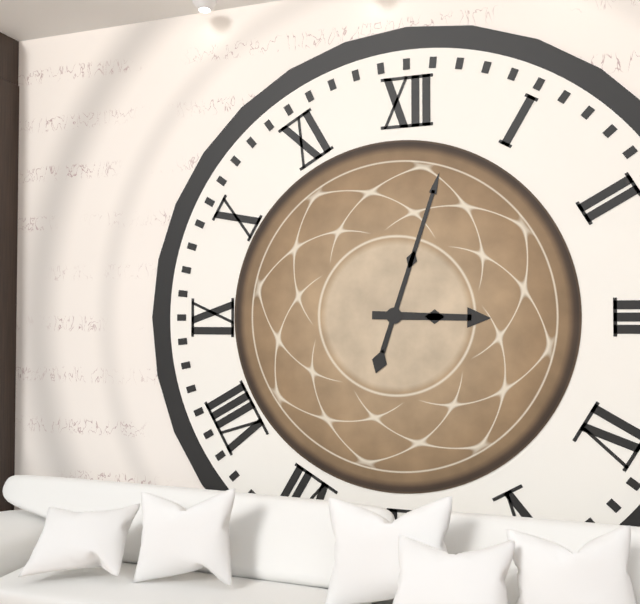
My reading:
3 h 03 min
